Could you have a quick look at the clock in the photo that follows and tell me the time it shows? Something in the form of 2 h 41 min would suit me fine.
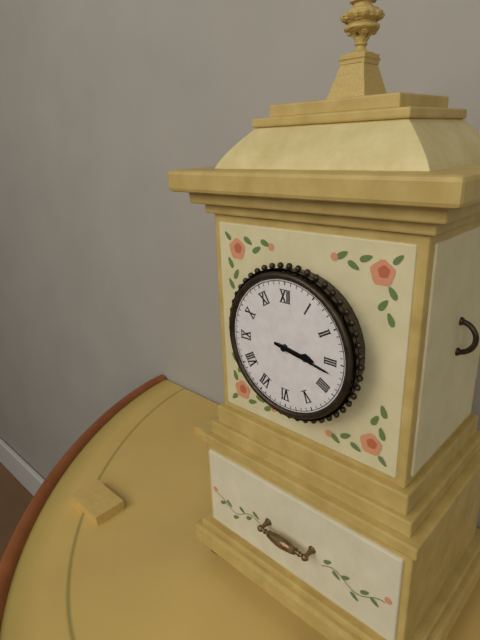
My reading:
3 h 17 min
